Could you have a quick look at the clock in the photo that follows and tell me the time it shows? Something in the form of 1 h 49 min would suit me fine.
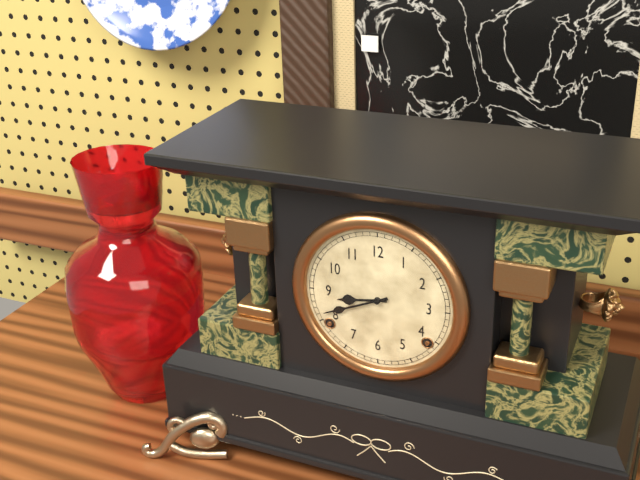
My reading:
8 h 41 min
